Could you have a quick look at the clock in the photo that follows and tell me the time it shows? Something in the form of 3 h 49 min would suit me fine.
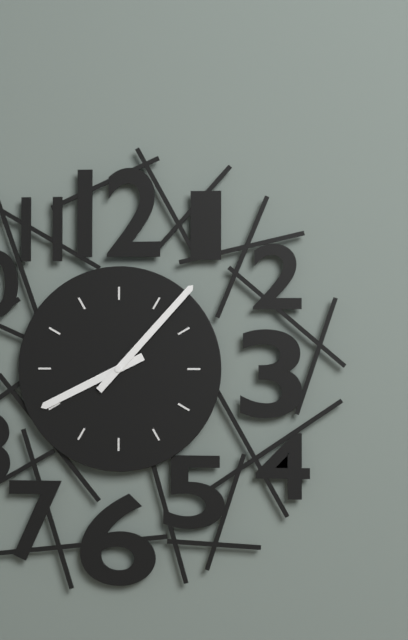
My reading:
8 h 07 min
